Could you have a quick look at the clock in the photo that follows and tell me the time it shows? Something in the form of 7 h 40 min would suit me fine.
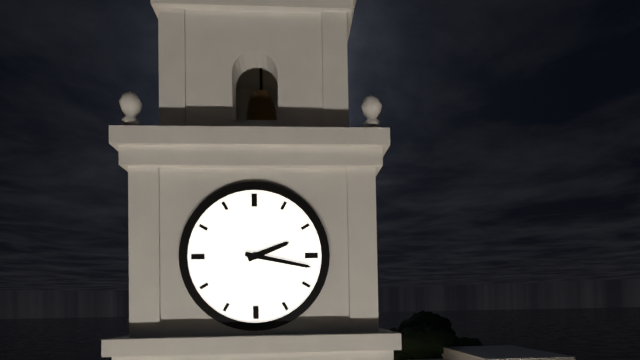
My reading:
2 h 17 min
